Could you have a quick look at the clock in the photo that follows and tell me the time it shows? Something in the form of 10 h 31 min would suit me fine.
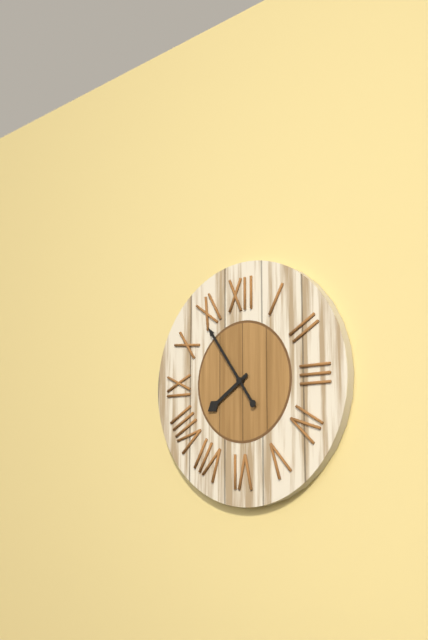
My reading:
7 h 54 min
